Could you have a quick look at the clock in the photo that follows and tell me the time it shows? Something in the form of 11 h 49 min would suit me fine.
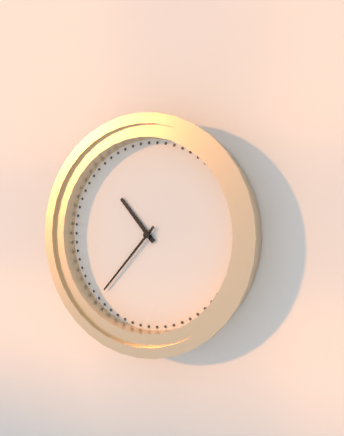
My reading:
10 h 37 min
